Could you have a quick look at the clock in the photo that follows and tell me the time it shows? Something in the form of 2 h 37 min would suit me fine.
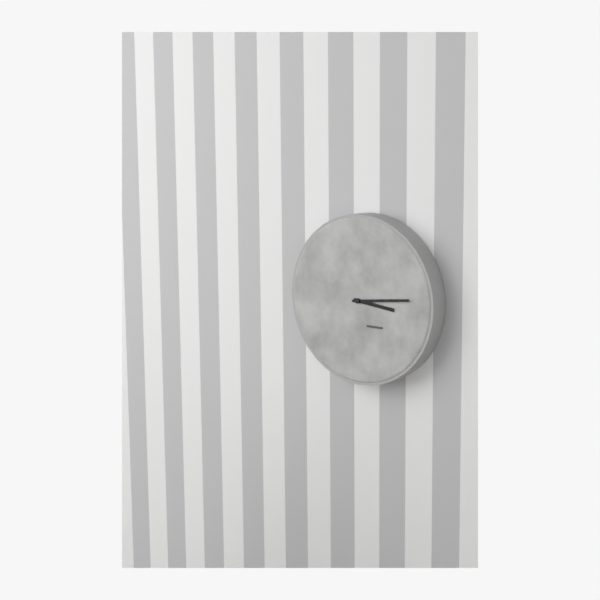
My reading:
3 h 14 min
